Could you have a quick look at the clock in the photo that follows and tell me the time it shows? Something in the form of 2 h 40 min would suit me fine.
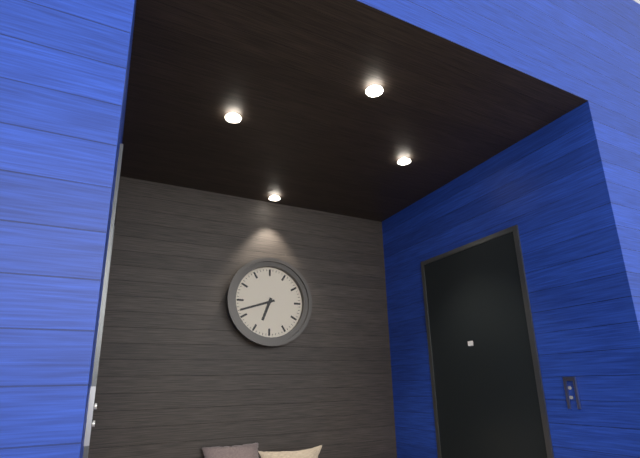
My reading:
6 h 42 min
